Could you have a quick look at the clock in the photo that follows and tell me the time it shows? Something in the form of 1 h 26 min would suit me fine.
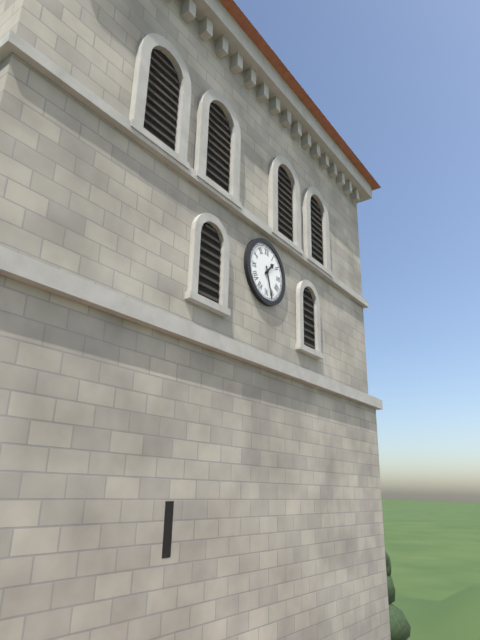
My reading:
1 h 27 min
